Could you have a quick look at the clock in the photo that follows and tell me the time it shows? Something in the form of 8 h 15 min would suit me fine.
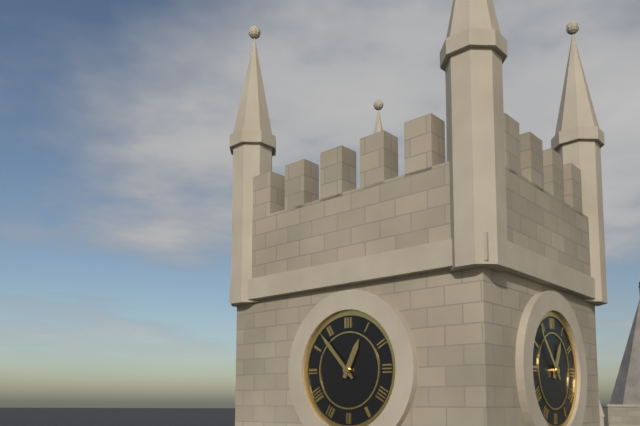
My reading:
12 h 53 min
